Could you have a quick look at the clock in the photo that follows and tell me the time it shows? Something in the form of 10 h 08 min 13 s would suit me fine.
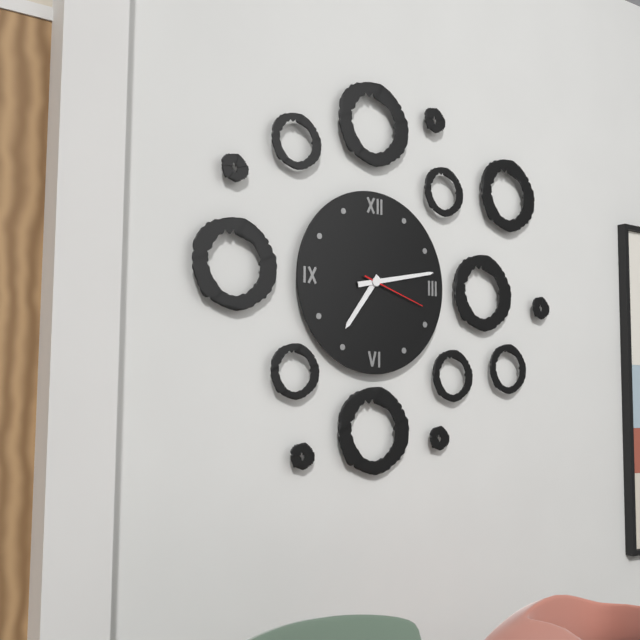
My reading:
7 h 13 min 18 s
